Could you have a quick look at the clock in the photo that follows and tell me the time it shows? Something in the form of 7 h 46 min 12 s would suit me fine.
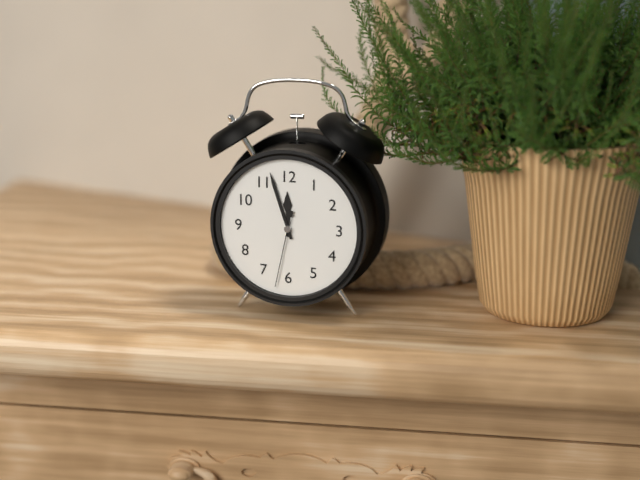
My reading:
11 h 57 min 32 s
